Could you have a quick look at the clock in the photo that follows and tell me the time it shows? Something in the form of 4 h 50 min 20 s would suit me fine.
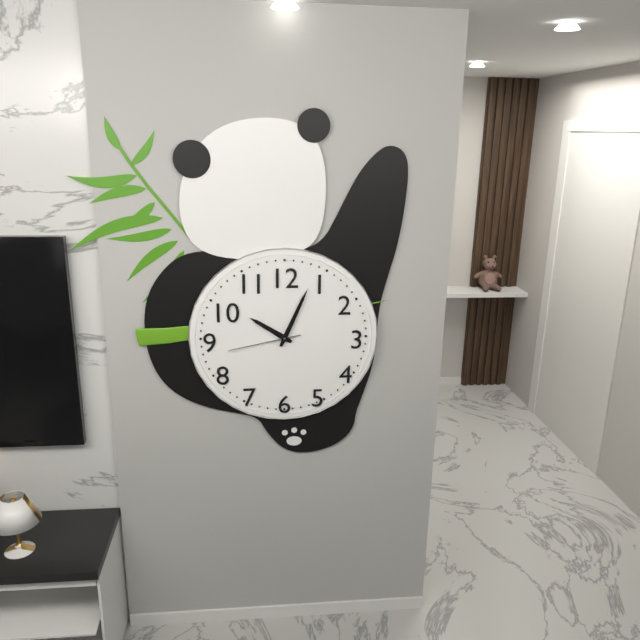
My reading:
10 h 04 min 43 s
